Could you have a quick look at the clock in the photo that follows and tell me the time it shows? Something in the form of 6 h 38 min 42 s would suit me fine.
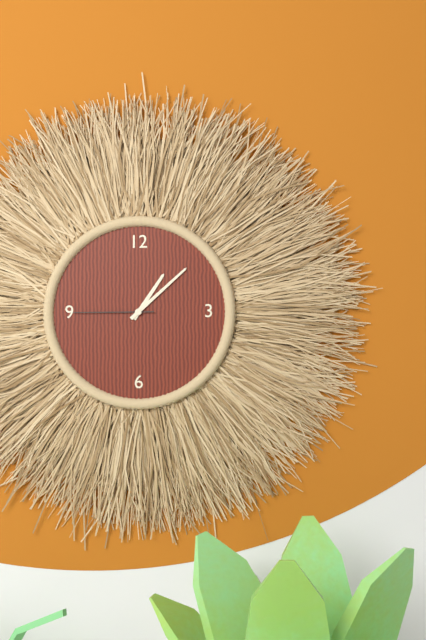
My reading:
1 h 08 min 45 s
